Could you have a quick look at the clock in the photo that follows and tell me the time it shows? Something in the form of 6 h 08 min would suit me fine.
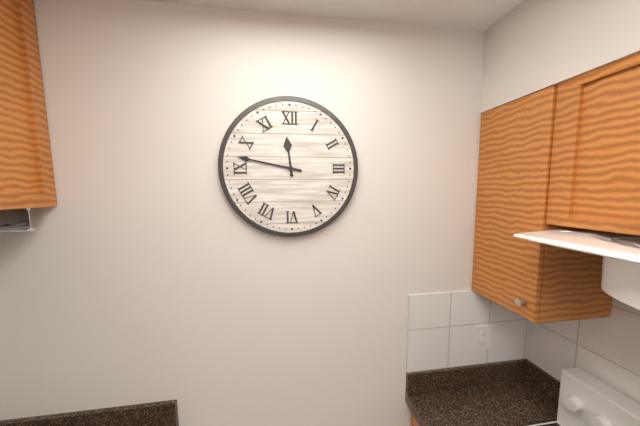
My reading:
11 h 47 min
